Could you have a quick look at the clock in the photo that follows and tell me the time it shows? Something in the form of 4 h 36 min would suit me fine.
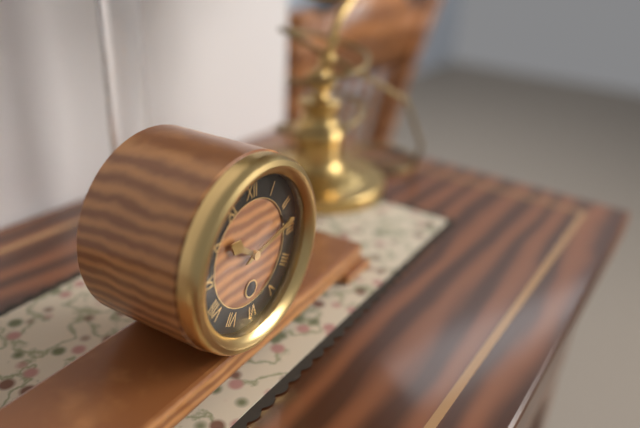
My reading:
10 h 13 min
